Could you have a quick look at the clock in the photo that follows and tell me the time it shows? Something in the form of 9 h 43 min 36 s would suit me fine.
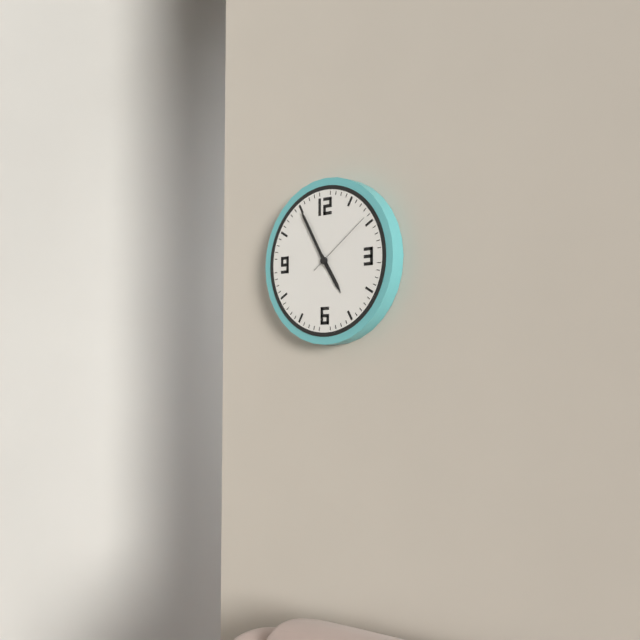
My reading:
4 h 55 min 09 s
